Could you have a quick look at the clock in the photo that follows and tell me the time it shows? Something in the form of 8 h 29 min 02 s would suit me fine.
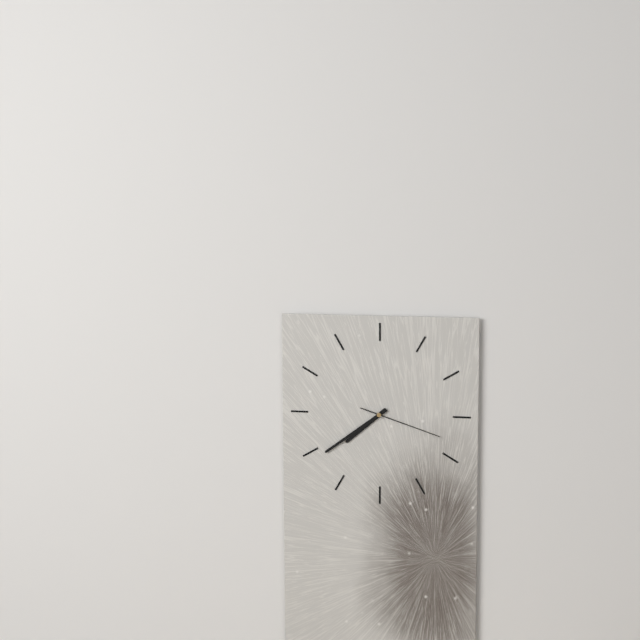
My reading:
7 h 39 min 18 s
